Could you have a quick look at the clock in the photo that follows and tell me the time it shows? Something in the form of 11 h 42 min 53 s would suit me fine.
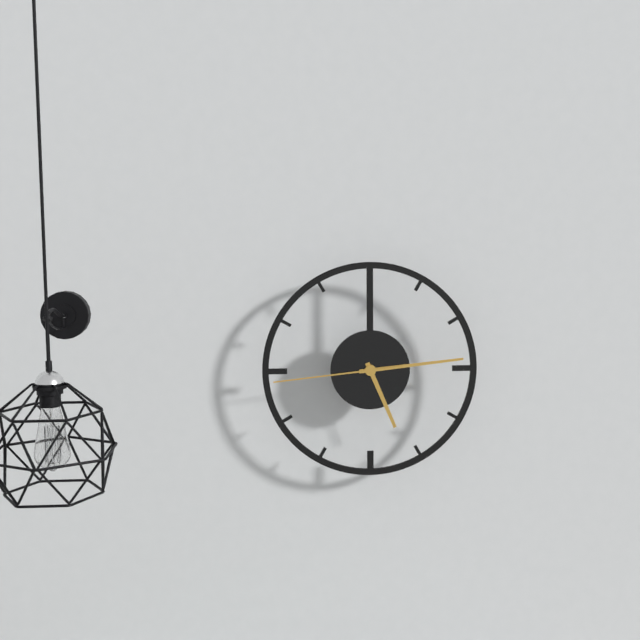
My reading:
5 h 14 min 44 s
